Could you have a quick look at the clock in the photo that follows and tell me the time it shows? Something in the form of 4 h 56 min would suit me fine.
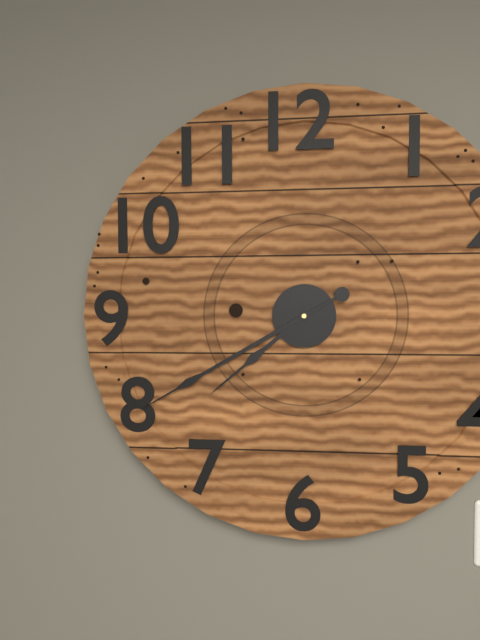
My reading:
7 h 40 min
